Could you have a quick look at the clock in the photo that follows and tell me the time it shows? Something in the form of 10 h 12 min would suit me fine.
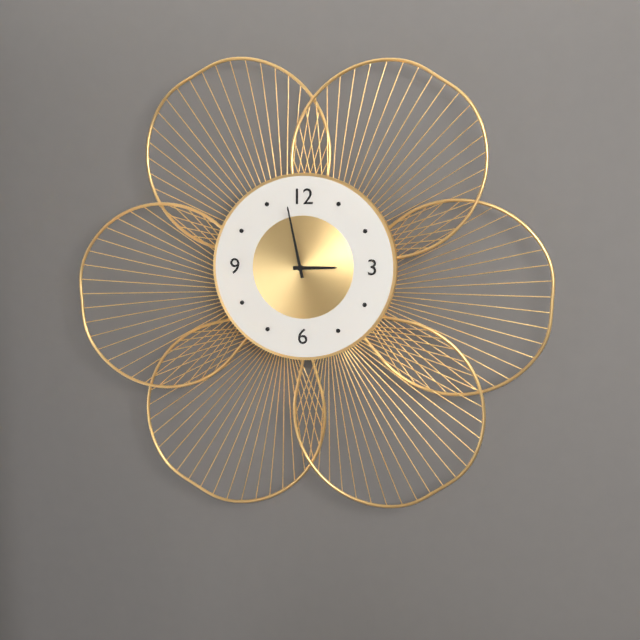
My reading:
2 h 58 min
